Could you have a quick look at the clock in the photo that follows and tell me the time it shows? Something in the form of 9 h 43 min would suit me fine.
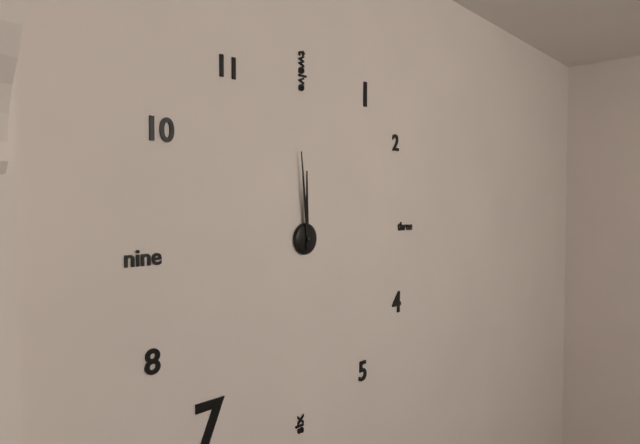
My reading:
11 h 59 min
